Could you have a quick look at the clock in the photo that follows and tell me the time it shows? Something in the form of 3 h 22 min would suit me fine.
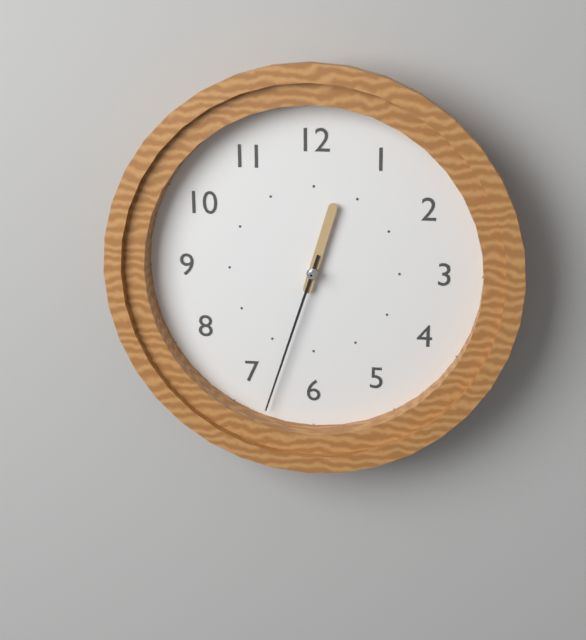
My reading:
12 h 33 min
